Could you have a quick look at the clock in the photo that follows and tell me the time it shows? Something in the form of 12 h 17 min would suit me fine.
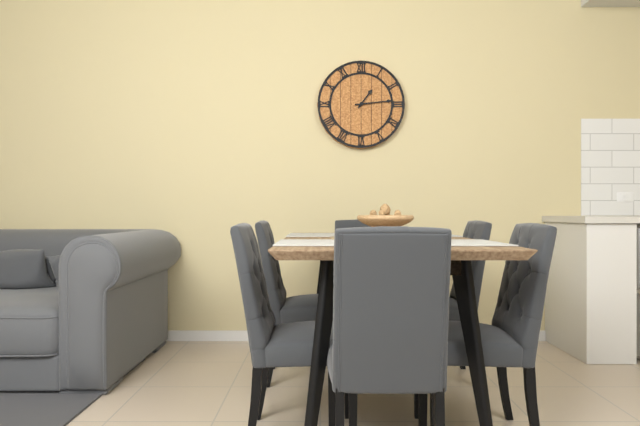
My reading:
1 h 14 min
